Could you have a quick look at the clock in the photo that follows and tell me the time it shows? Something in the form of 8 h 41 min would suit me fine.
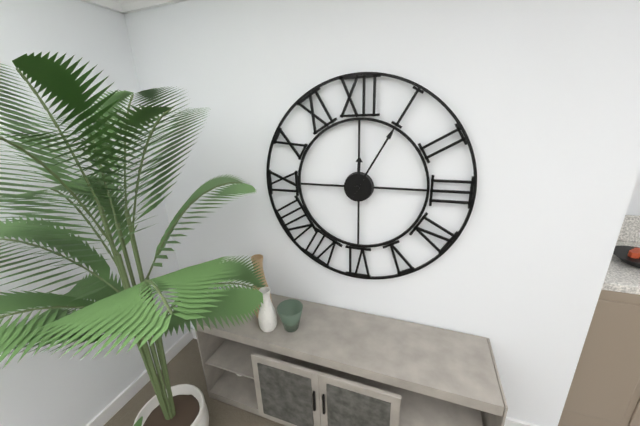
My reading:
12 h 05 min
